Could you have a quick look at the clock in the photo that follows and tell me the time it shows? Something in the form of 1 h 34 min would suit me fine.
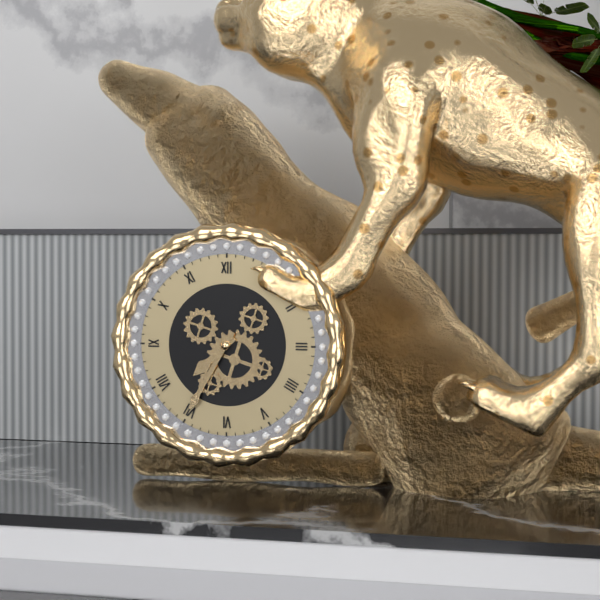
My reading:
7 h 35 min
